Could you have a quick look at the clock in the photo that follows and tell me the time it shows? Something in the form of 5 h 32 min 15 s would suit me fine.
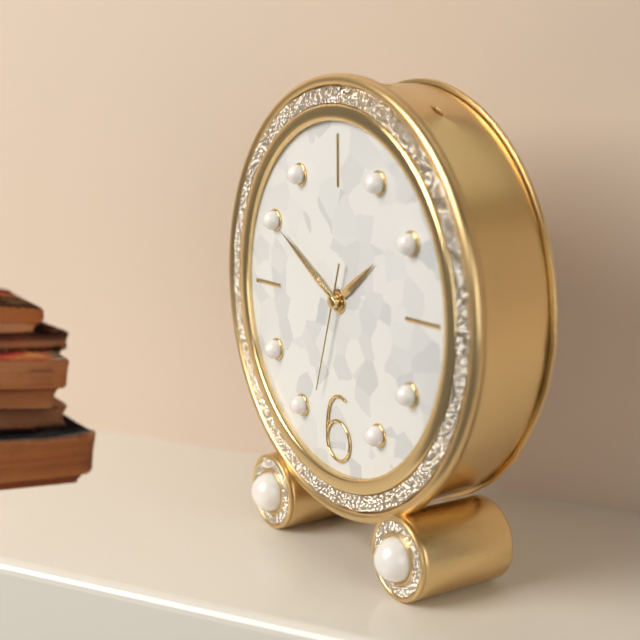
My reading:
1 h 50 min 33 s
